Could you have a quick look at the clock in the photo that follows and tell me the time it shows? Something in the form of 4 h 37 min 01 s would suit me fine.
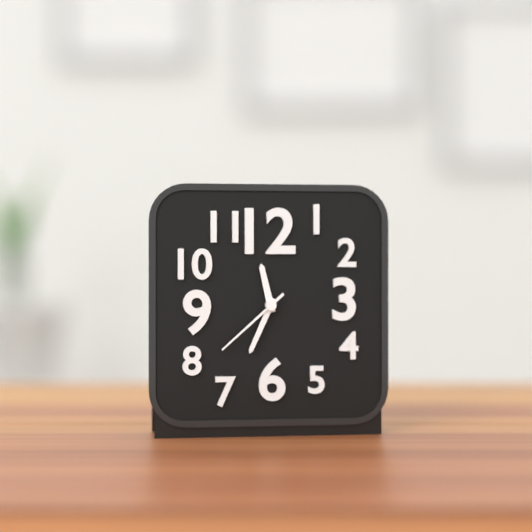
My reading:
11 h 34 min 38 s
